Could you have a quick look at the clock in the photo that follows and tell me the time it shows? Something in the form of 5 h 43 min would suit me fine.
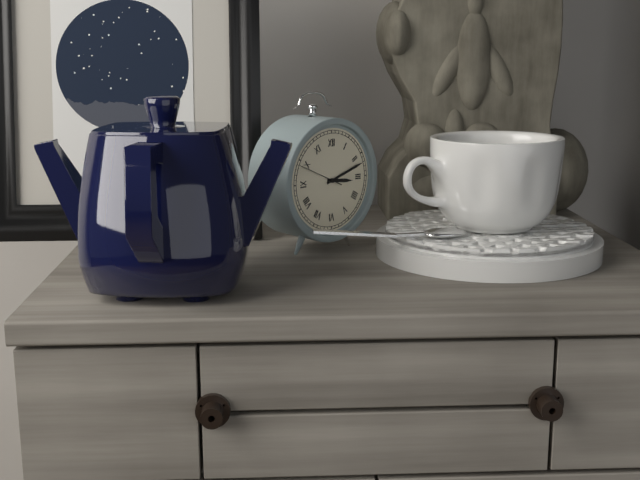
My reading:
3 h 12 min
